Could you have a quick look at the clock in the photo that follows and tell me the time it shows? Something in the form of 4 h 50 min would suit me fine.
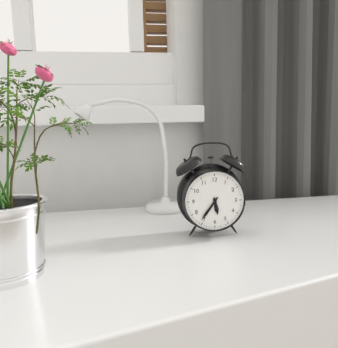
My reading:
5 h 36 min
